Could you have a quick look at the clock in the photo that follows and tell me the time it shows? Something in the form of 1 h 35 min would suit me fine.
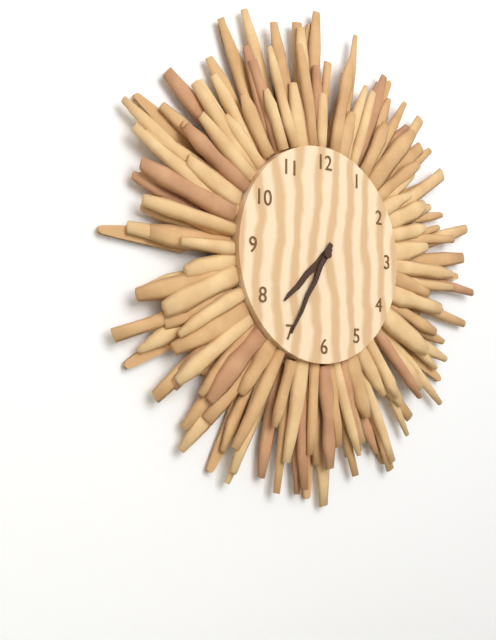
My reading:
7 h 35 min
